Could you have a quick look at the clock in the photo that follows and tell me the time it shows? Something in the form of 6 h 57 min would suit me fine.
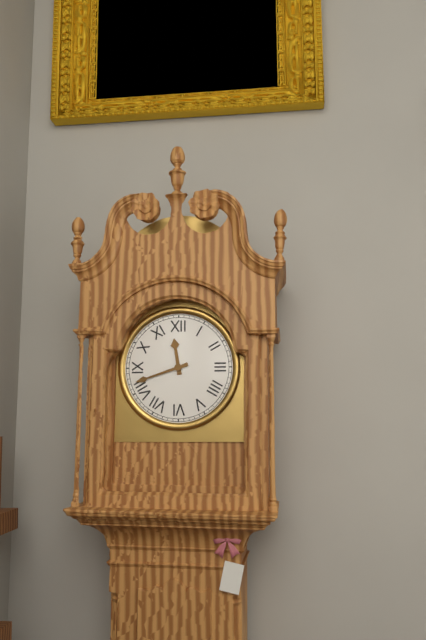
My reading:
11 h 42 min
